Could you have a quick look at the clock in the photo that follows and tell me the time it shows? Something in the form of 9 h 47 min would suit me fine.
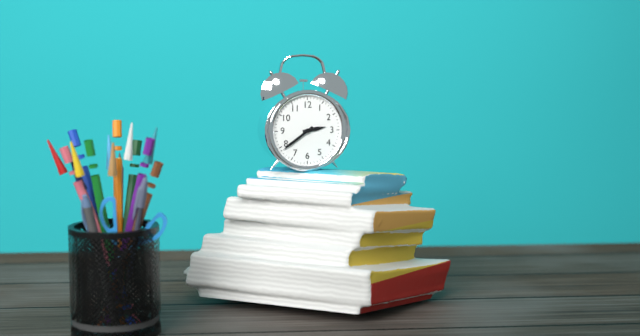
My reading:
2 h 39 min
